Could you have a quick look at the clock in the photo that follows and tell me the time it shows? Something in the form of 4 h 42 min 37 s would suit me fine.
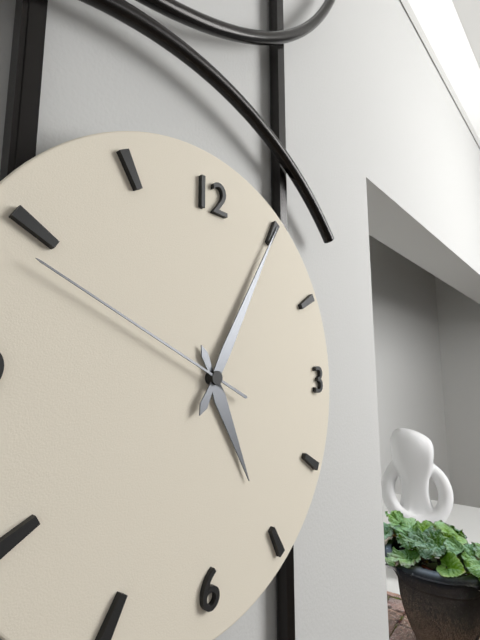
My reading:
5 h 05 min 49 s
